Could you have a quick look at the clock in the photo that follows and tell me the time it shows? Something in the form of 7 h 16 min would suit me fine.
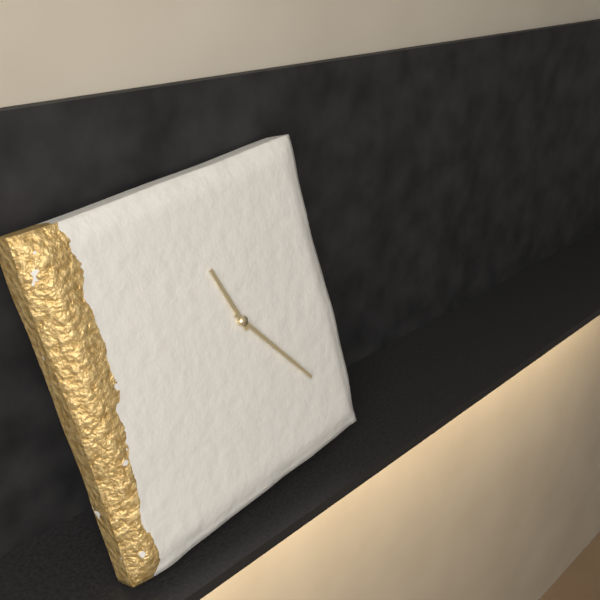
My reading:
11 h 24 min
